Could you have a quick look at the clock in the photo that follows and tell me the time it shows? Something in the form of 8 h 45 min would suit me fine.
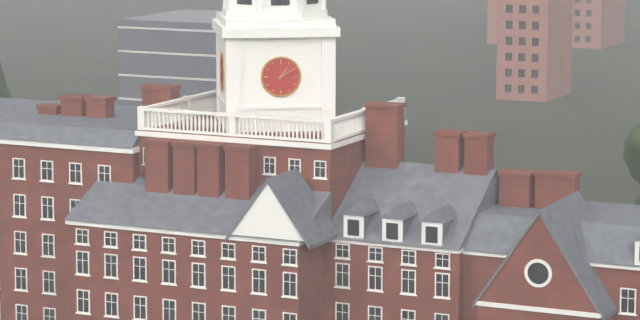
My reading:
1 h 10 min
